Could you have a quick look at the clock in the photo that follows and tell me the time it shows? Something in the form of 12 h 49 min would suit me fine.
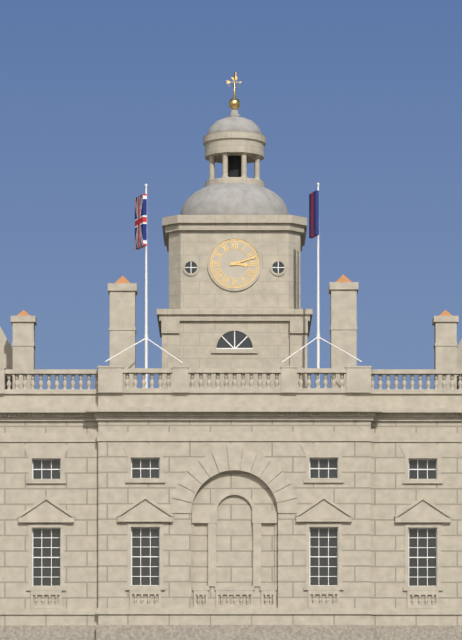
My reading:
3 h 12 min
